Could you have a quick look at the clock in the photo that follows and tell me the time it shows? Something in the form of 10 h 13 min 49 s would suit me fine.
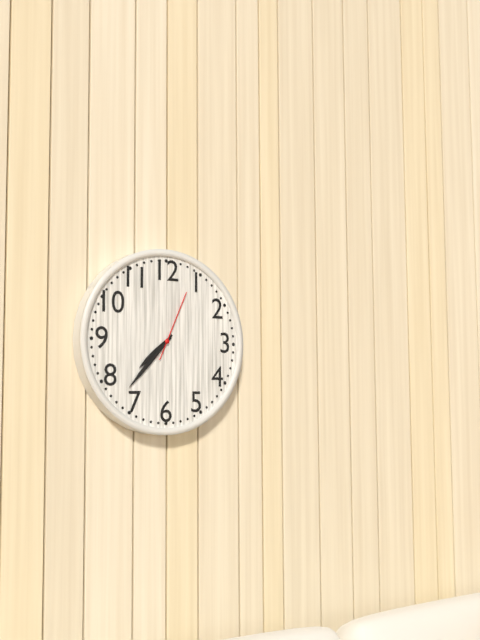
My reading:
7 h 37 min 04 s
